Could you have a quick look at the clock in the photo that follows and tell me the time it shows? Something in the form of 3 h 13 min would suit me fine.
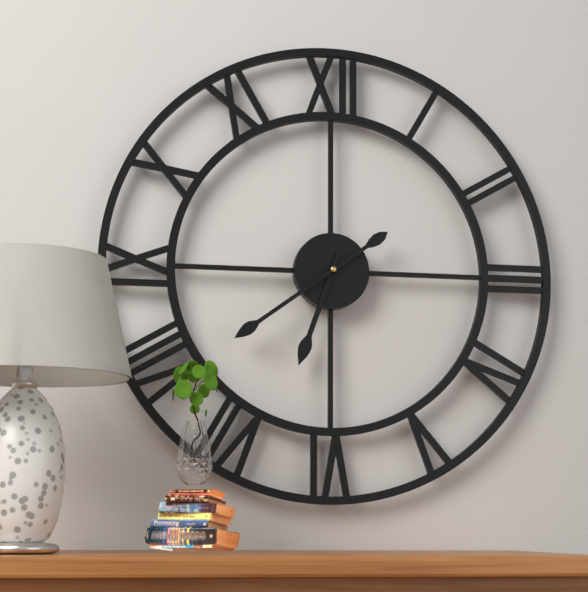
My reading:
6 h 39 min
